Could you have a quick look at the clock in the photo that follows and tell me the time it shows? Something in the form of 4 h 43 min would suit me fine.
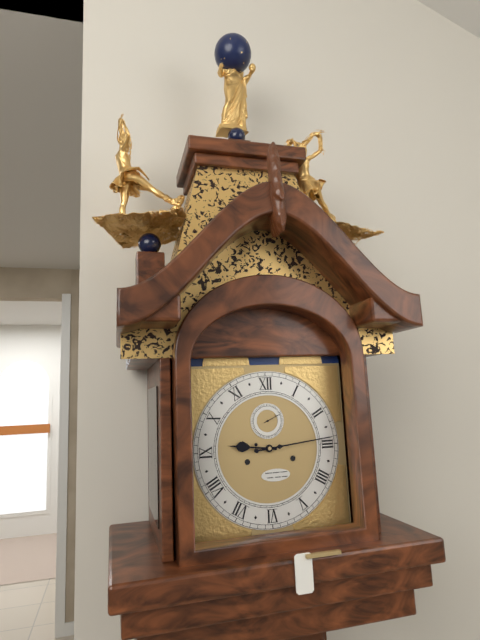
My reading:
9 h 14 min
